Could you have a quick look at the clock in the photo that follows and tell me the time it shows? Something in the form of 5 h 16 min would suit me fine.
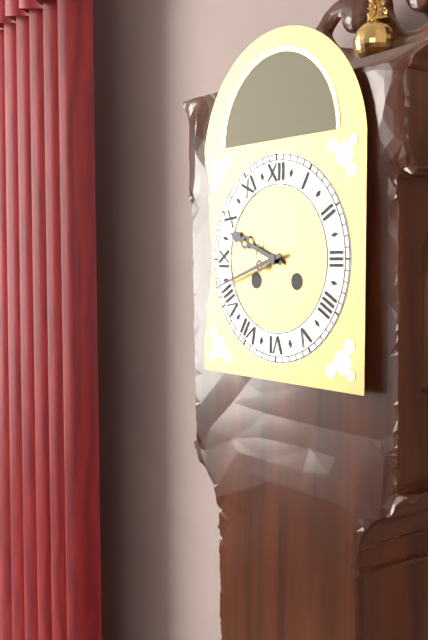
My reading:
9 h 42 min
